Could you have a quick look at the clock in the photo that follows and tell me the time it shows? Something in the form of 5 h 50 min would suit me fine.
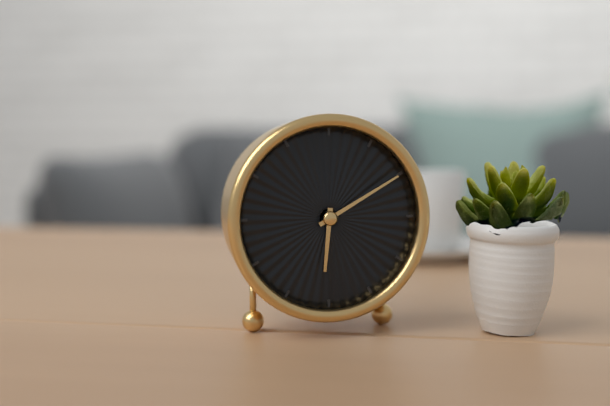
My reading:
6 h 10 min
